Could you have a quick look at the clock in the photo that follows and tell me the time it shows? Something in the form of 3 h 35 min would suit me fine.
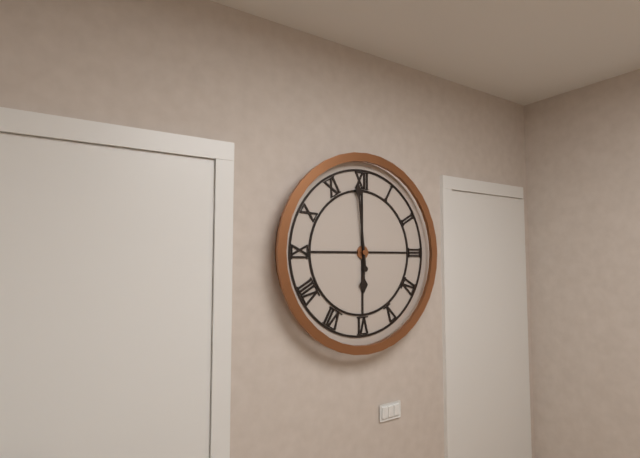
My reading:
5 h 59 min
